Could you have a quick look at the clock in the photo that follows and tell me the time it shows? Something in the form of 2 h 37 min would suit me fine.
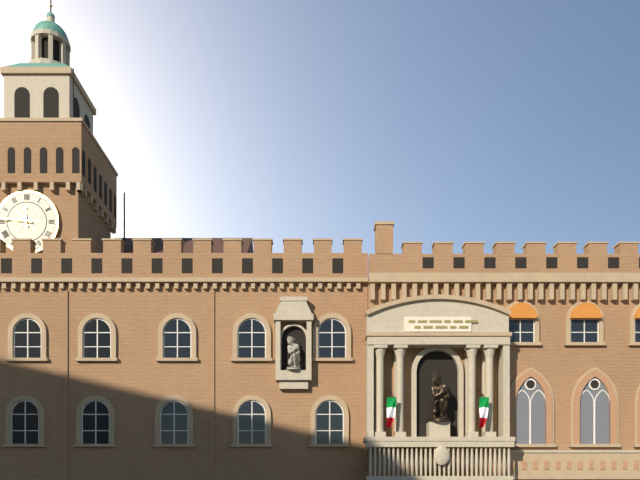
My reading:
11 h 46 min
